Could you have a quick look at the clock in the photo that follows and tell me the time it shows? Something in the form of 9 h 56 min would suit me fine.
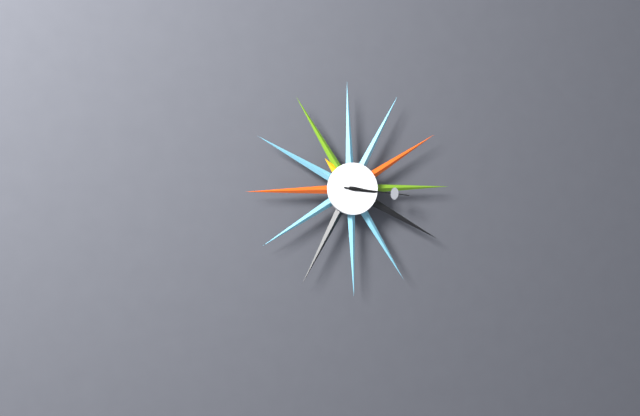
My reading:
3 h 16 min
